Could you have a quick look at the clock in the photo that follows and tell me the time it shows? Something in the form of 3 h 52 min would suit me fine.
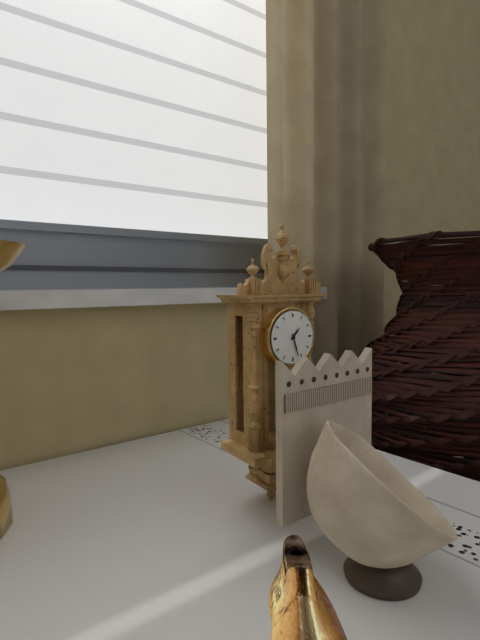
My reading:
1 h 27 min
